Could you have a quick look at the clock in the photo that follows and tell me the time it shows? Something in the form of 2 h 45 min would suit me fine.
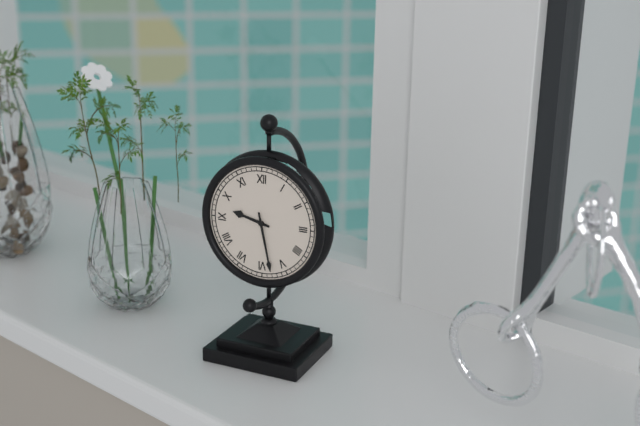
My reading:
9 h 28 min
